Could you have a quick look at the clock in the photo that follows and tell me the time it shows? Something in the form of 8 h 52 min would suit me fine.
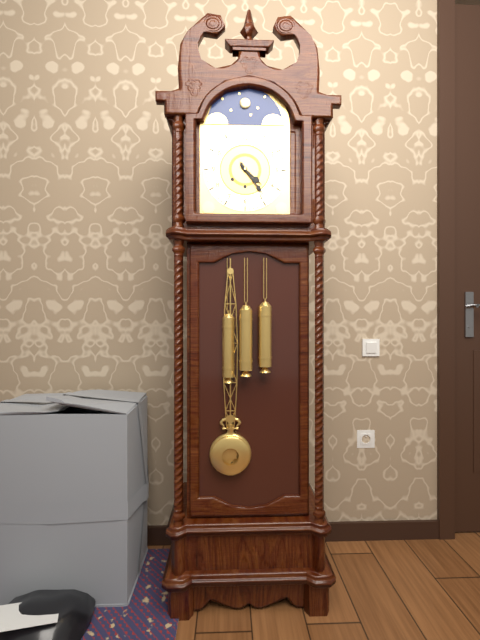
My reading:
4 h 24 min
